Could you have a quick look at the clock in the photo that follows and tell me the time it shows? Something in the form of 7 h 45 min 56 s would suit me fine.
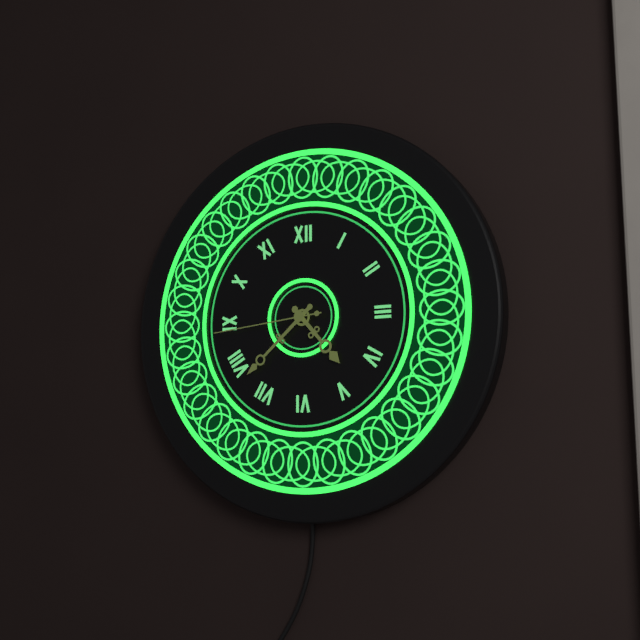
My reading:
4 h 38 min 44 s
